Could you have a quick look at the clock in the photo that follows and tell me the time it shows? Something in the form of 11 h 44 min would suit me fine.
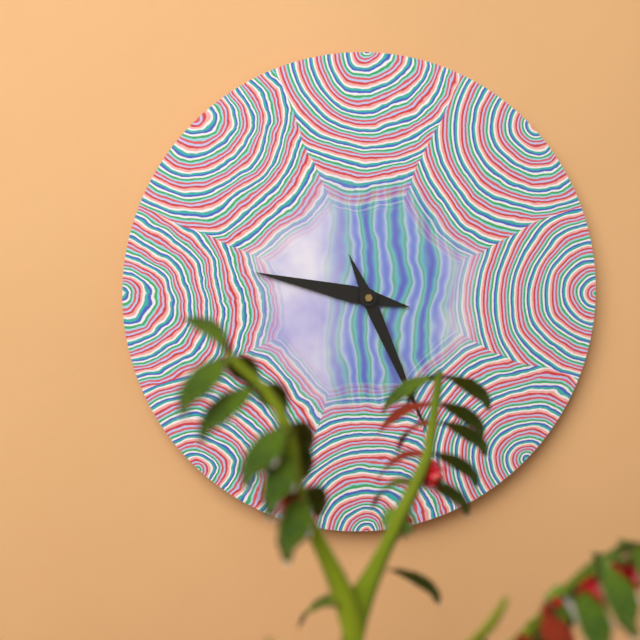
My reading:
9 h 26 min
